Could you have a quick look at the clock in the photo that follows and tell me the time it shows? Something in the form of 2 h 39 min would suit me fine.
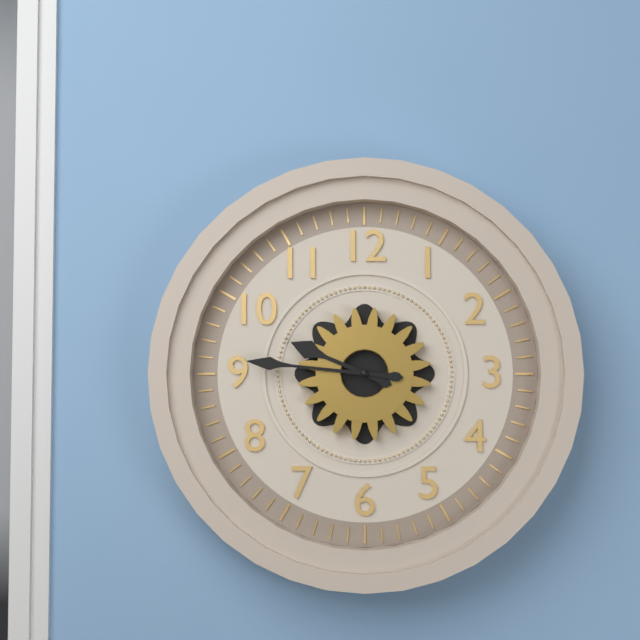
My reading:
9 h 46 min
